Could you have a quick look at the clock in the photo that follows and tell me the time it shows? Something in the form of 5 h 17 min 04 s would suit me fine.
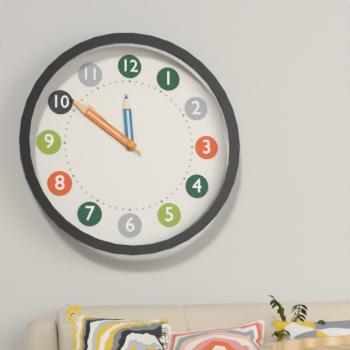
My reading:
11 h 51 min 52 s
